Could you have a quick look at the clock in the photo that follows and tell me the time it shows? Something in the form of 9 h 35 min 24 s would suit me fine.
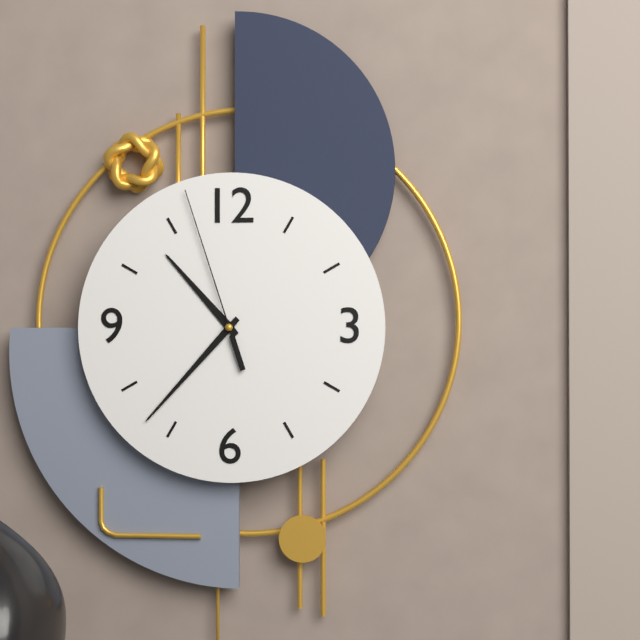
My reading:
10 h 37 min 57 s
